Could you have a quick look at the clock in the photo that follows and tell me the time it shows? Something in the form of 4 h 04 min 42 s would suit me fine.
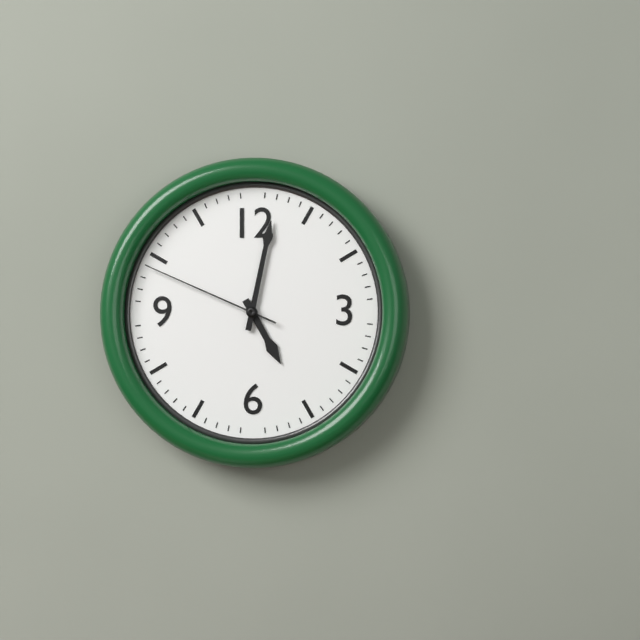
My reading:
5 h 02 min 49 s
